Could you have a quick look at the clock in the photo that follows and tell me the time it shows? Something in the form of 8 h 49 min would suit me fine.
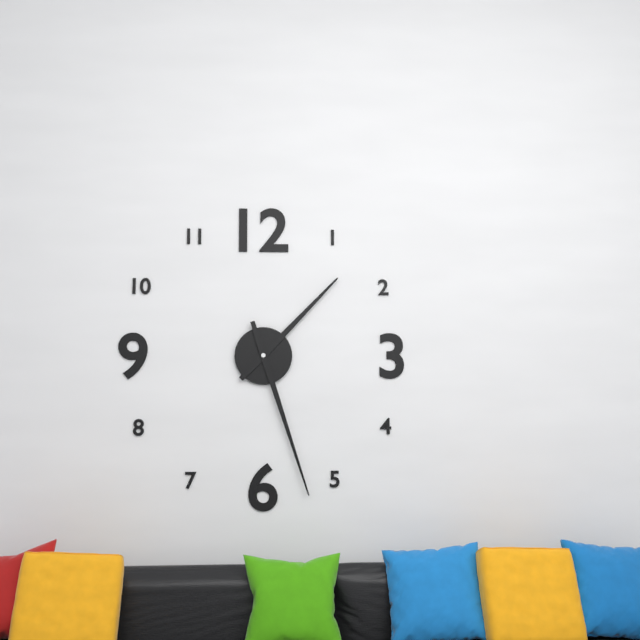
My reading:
1 h 27 min
